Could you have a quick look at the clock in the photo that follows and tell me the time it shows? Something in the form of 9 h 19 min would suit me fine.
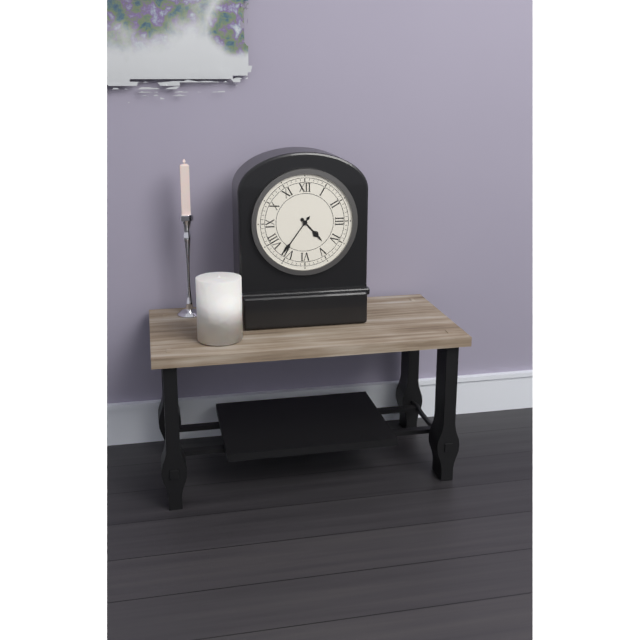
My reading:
4 h 36 min
